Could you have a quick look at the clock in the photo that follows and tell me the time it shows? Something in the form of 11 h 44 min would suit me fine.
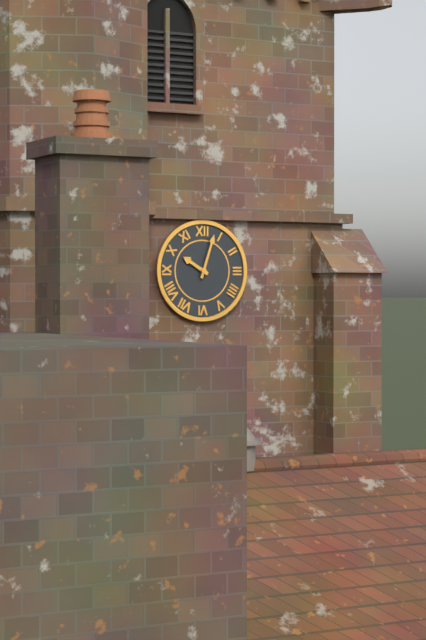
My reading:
10 h 03 min
